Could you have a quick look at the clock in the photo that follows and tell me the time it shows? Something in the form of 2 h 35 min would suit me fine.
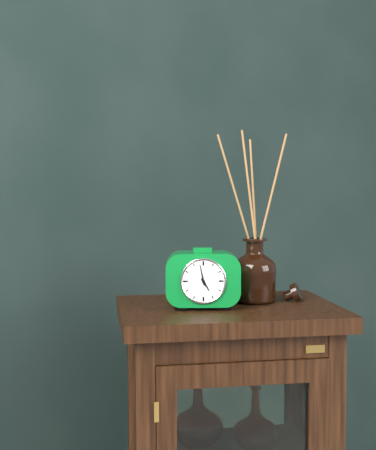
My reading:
4 h 58 min
